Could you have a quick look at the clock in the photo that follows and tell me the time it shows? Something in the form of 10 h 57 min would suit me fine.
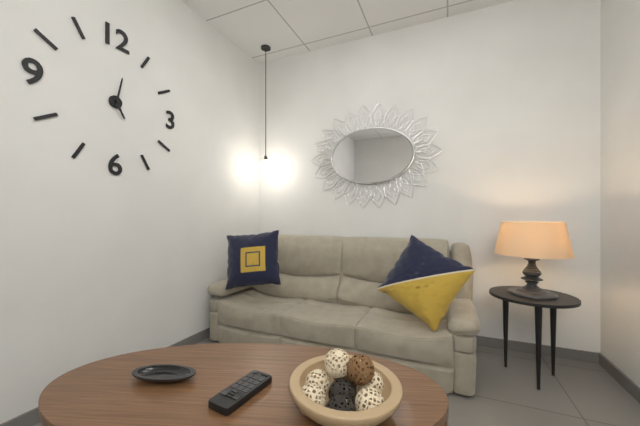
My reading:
5 h 02 min
